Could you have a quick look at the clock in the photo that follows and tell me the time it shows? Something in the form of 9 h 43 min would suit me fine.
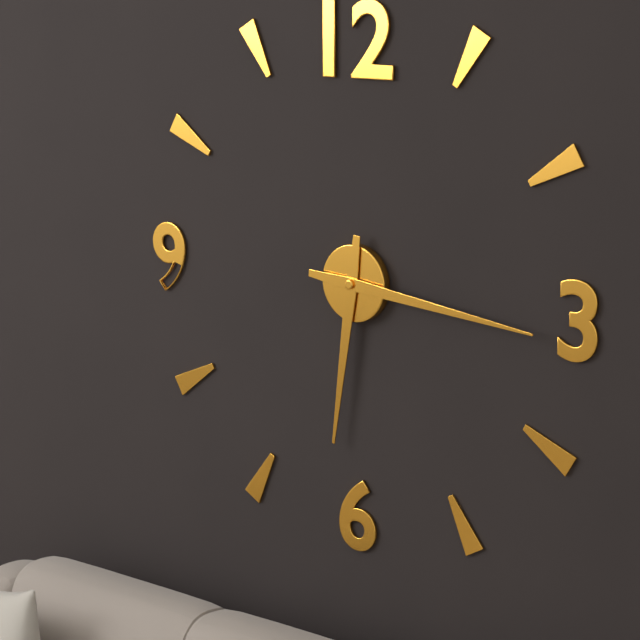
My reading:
6 h 16 min
